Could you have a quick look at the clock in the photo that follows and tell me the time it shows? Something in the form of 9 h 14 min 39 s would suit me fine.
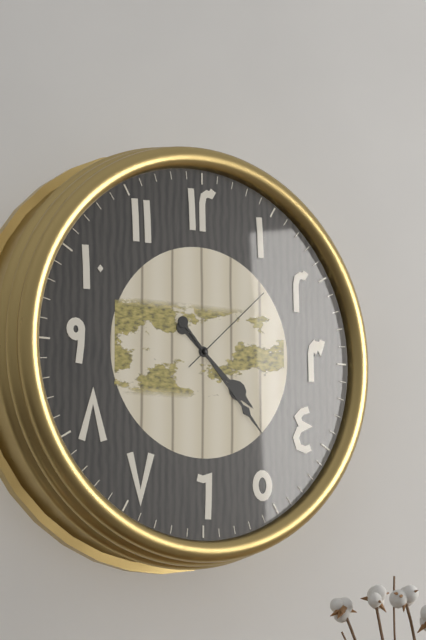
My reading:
4 h 23 min 08 s
